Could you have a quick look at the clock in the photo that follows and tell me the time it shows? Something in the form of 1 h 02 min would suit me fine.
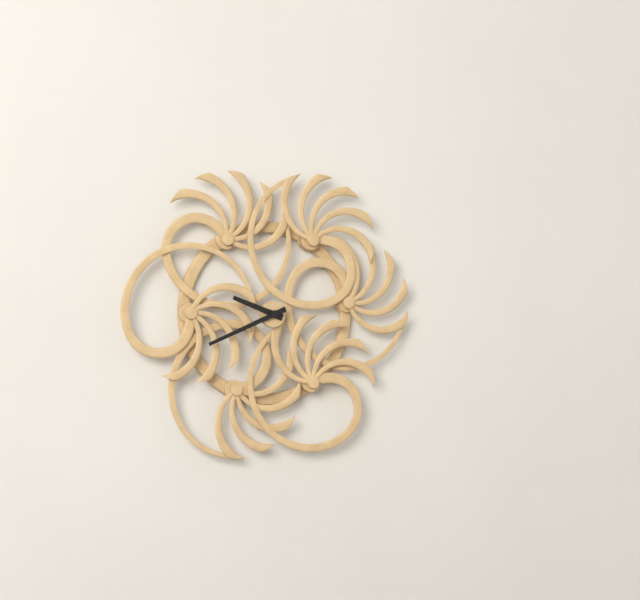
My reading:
9 h 41 min
